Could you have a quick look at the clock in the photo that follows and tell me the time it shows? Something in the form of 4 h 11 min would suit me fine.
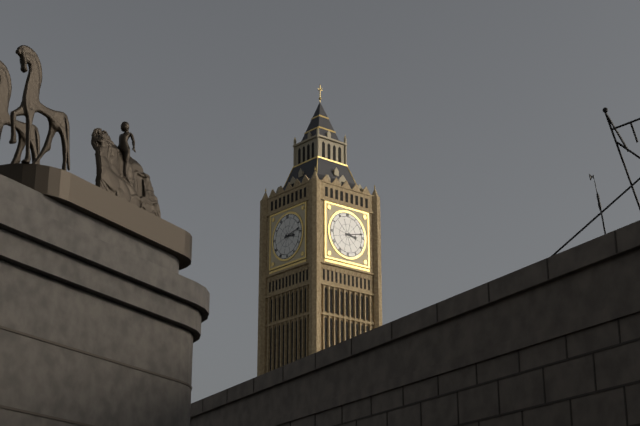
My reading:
3 h 13 min
